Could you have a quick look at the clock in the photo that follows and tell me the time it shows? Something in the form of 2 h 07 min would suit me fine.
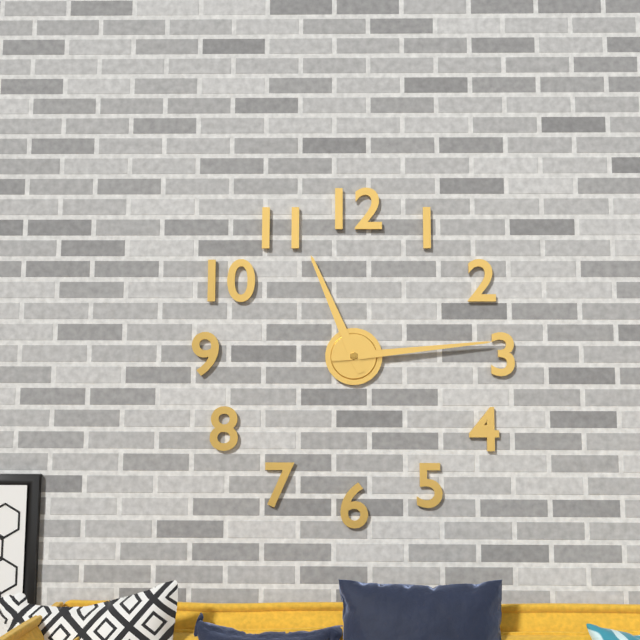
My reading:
11 h 14 min
